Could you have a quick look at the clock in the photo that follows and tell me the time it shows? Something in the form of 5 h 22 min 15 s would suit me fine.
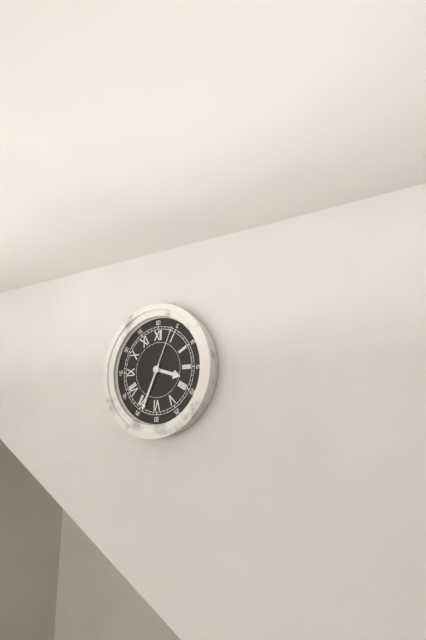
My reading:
3 h 34 min 04 s
